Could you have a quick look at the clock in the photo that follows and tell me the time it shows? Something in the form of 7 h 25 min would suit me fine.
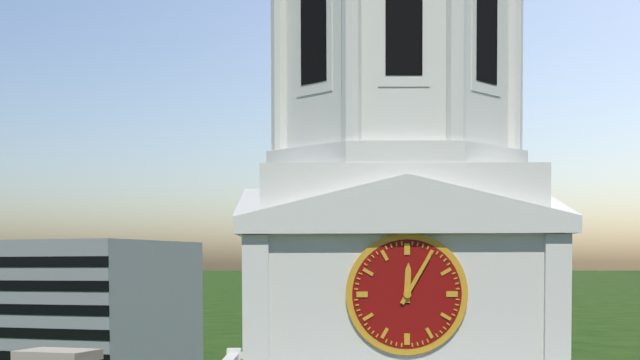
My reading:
12 h 05 min
